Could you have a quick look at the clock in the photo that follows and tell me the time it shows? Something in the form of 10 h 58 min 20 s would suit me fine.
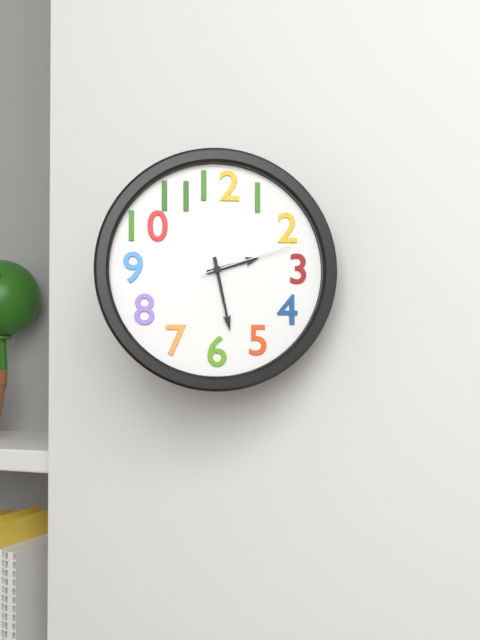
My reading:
2 h 28 min 12 s
